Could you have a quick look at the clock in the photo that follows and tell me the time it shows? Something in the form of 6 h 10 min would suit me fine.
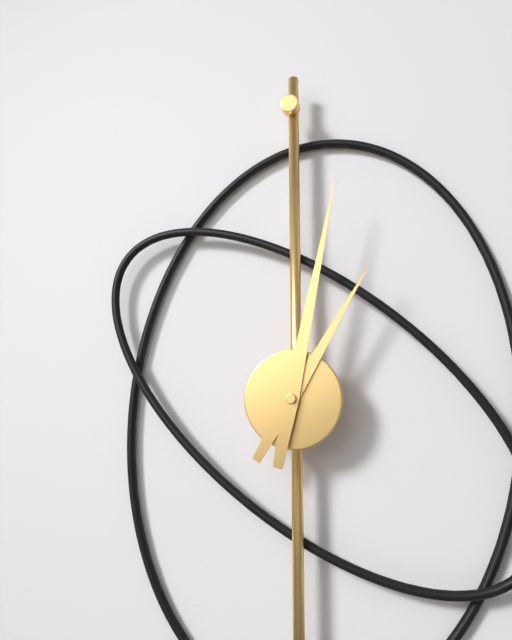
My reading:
1 h 02 min
